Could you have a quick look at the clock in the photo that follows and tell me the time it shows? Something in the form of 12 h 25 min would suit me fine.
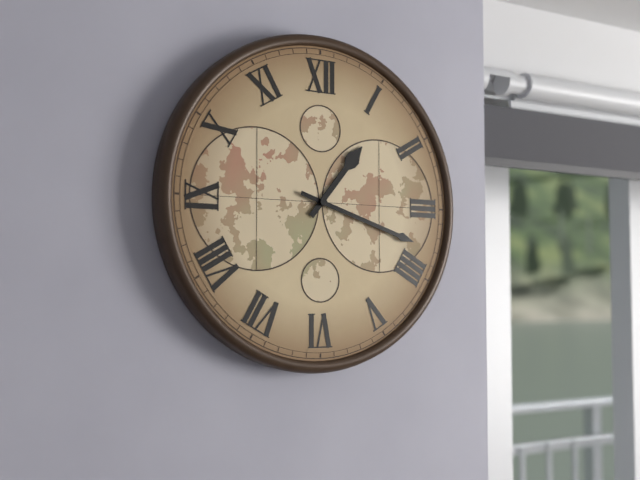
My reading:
1 h 18 min
